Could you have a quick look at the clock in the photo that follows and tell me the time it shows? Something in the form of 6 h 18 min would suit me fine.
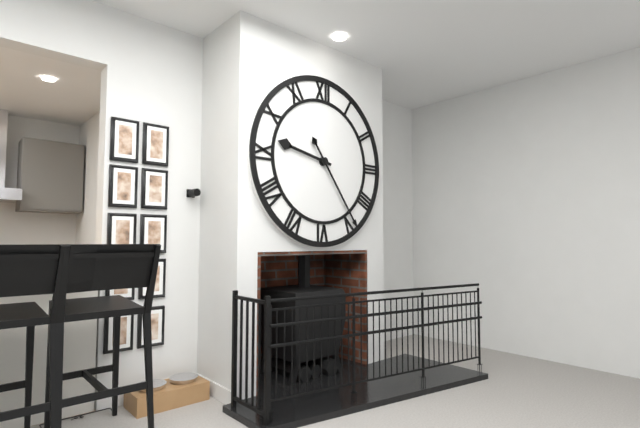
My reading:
9 h 24 min
